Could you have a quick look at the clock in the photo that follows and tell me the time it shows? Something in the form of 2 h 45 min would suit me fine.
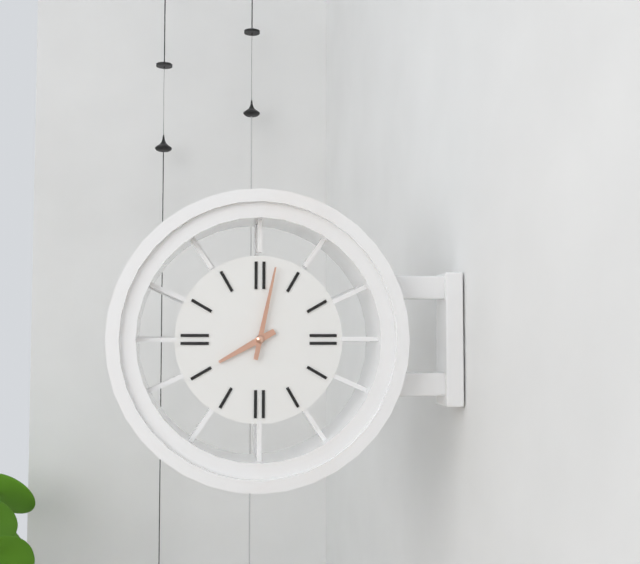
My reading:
8 h 02 min
